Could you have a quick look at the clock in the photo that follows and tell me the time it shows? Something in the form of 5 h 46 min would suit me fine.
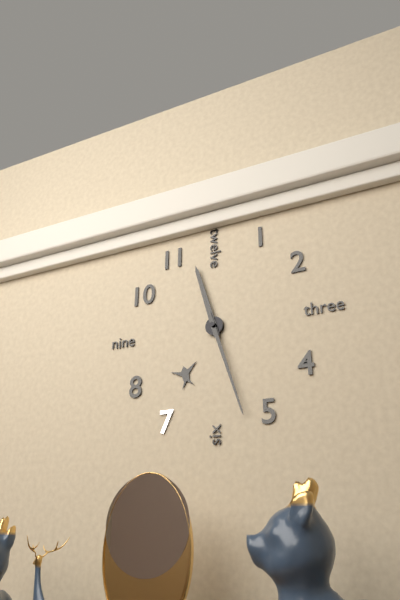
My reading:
11 h 27 min
